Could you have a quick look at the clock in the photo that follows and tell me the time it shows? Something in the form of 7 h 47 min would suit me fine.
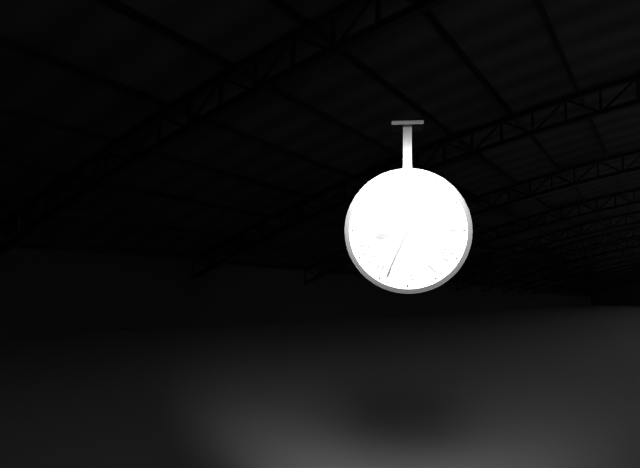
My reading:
8 h 34 min
